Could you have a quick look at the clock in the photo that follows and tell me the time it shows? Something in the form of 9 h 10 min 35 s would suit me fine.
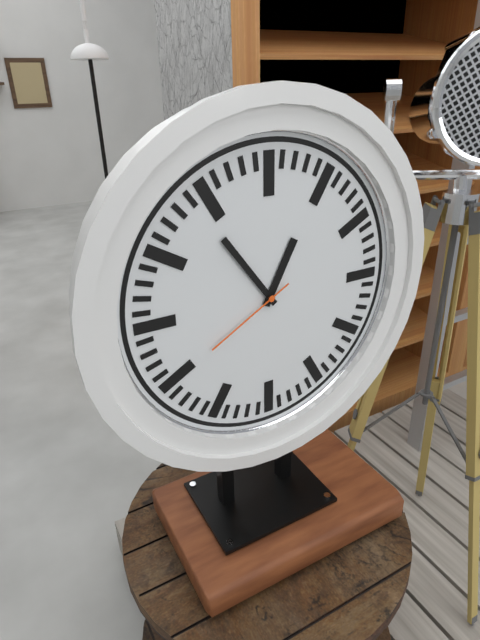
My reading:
12 h 54 min 40 s
